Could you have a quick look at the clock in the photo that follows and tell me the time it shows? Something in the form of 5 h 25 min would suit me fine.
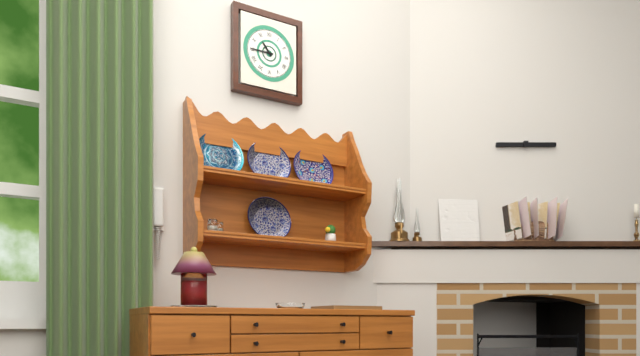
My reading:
10 h 45 min
